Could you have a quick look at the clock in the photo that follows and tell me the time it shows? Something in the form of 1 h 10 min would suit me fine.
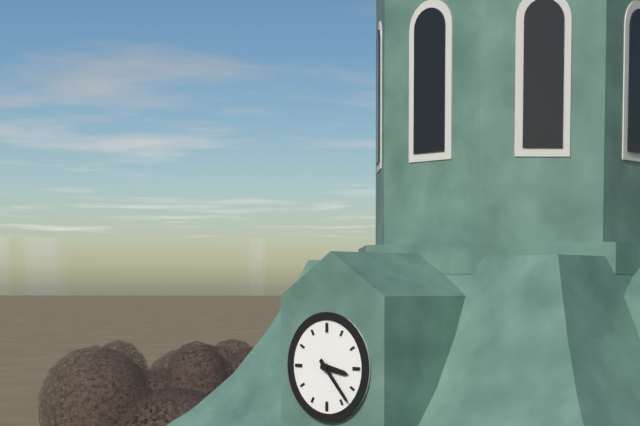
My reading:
3 h 23 min
